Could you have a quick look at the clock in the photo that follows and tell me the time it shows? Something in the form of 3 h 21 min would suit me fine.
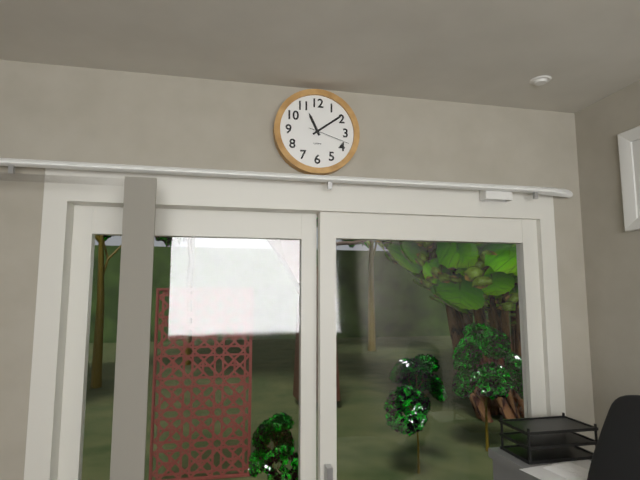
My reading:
11 h 09 min
